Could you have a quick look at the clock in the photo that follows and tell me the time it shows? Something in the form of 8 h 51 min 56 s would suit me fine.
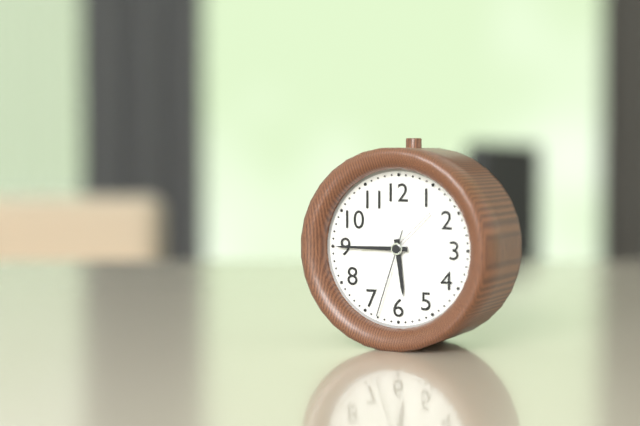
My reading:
5 h 45 min 33 s
